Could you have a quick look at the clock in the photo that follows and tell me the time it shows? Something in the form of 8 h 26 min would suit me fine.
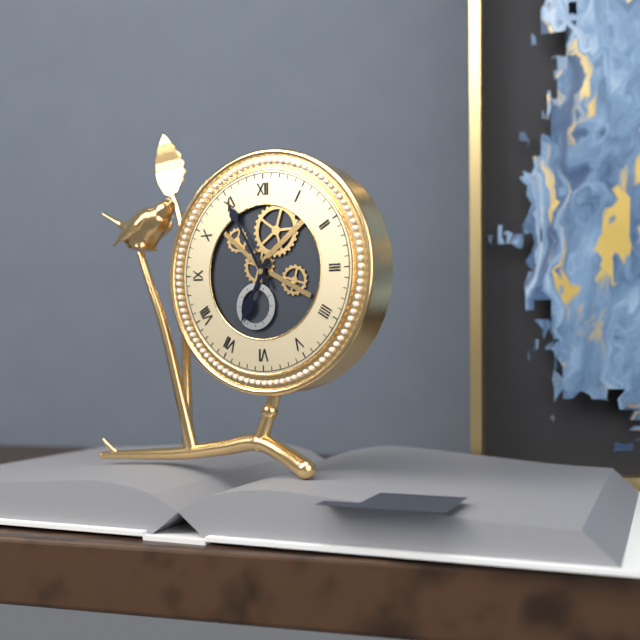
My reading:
6 h 55 min
